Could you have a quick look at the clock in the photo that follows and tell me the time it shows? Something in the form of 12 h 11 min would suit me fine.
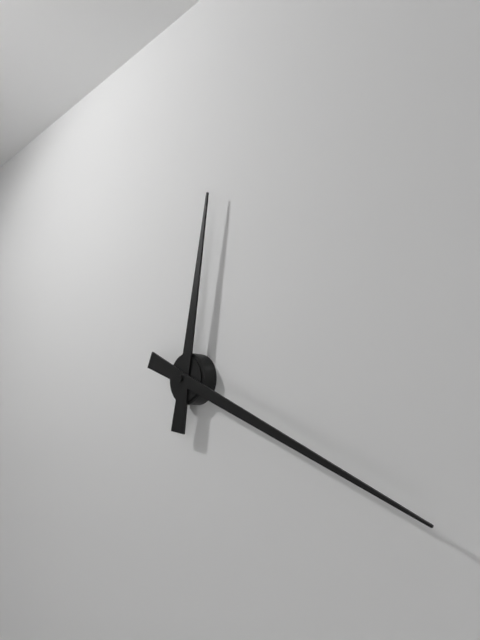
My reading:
12 h 19 min
